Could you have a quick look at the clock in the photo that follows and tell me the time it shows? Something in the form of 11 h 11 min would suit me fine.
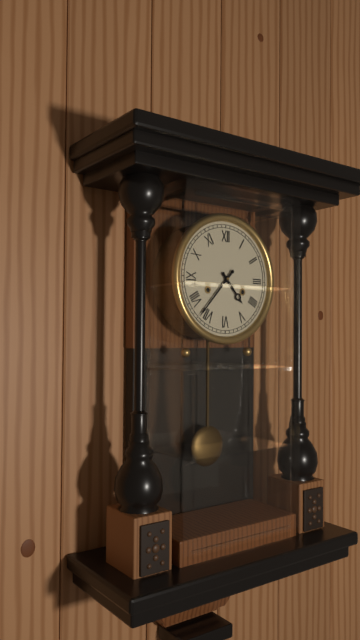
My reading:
4 h 37 min
